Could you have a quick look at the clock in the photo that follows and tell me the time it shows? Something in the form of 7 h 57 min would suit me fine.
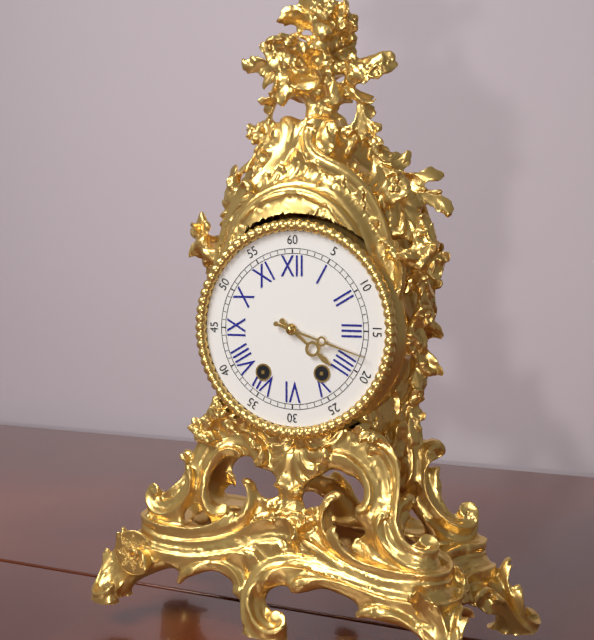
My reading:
4 h 18 min
